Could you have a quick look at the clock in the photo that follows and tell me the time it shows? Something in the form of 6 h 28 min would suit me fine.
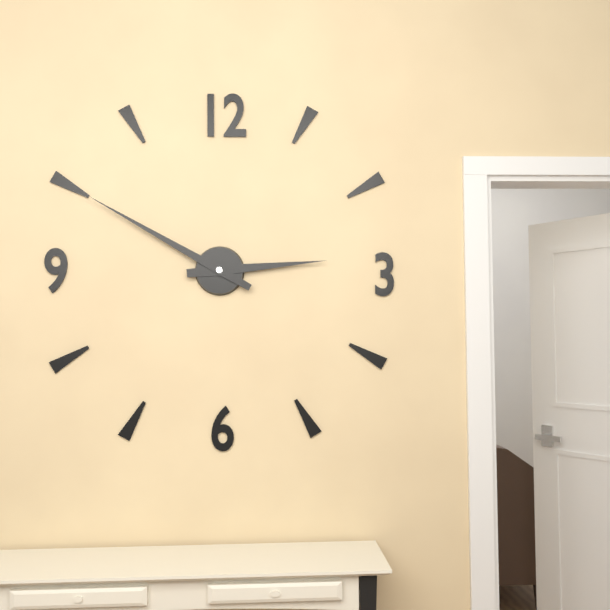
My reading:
2 h 50 min
